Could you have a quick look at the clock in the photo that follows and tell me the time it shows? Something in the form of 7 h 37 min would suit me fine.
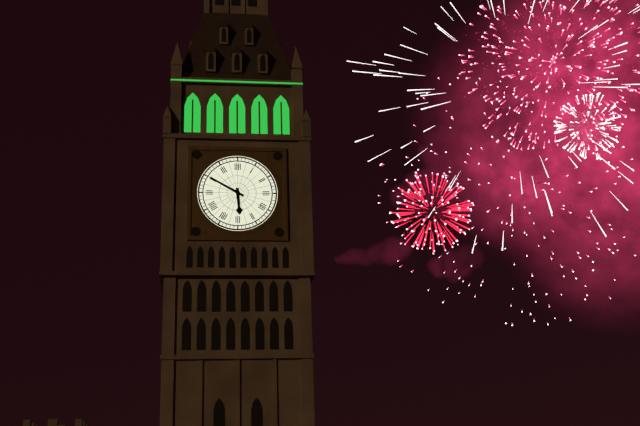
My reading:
5 h 50 min
